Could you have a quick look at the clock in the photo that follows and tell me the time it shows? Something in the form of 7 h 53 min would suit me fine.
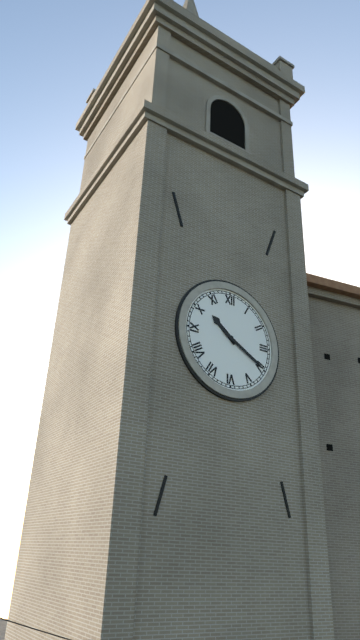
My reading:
10 h 20 min
